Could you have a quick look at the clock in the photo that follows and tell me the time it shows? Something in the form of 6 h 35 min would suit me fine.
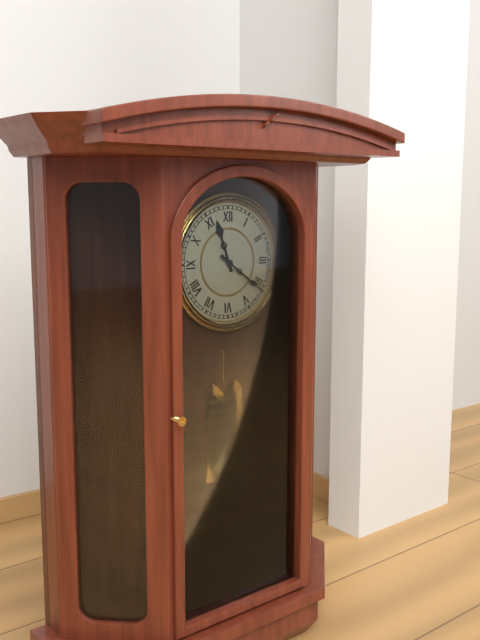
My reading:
11 h 21 min
